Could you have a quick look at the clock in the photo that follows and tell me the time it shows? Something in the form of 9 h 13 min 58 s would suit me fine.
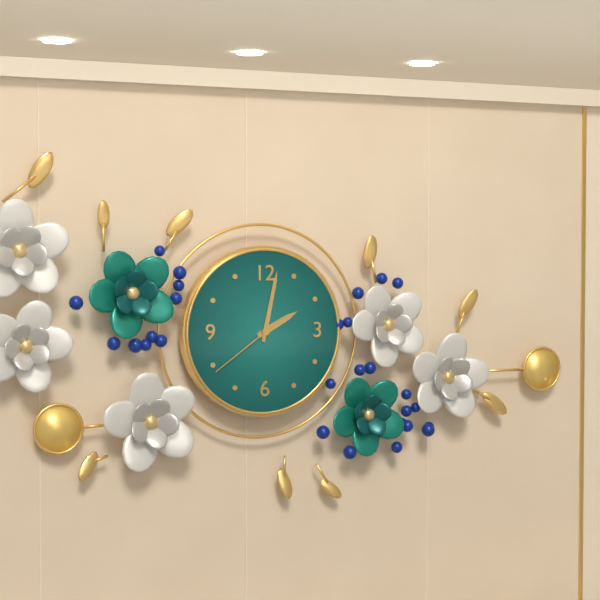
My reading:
2 h 02 min 39 s
